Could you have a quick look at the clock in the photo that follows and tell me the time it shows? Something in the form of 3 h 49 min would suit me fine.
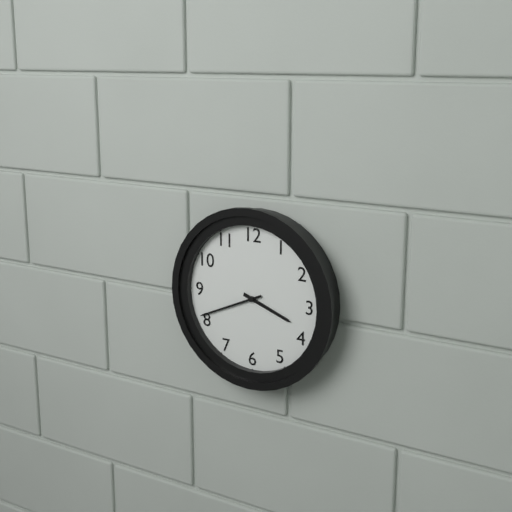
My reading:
3 h 41 min
